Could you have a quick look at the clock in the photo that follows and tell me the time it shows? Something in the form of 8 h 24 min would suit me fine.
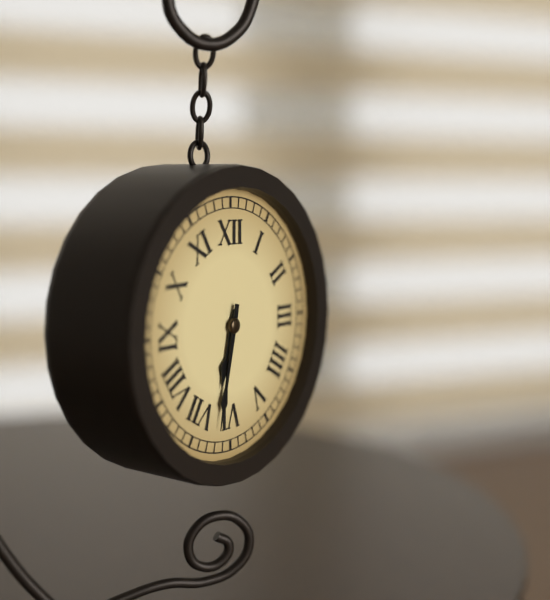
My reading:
6 h 32 min
